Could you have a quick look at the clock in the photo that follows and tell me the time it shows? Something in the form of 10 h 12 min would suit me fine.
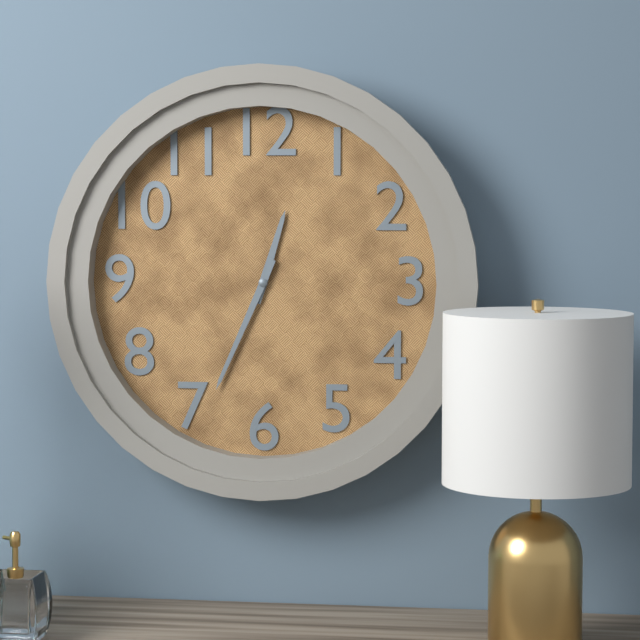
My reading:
12 h 34 min
